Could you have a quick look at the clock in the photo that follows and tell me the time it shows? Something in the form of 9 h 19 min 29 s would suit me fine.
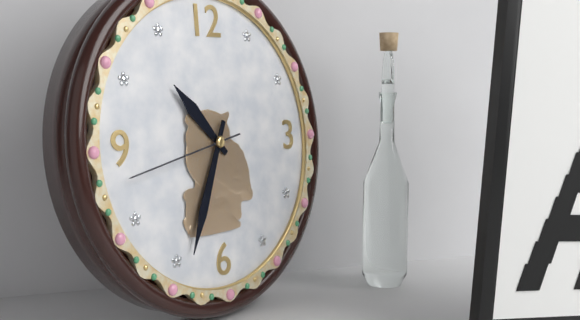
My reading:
10 h 34 min 43 s
